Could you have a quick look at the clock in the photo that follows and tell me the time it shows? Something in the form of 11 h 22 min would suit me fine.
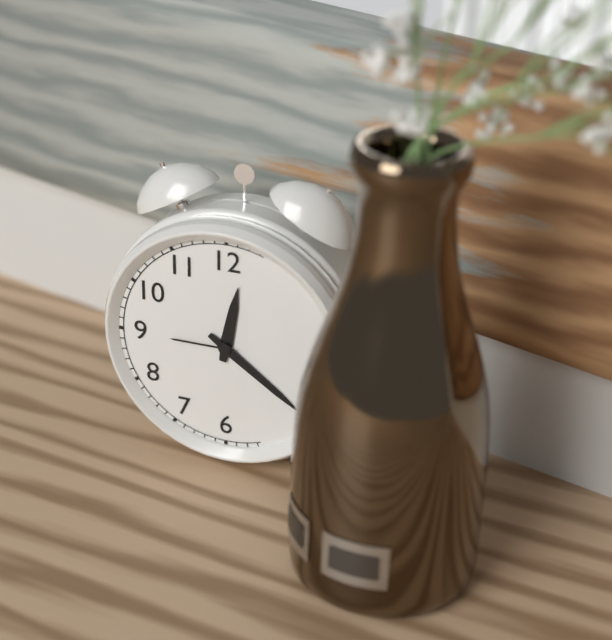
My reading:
12 h 21 min
